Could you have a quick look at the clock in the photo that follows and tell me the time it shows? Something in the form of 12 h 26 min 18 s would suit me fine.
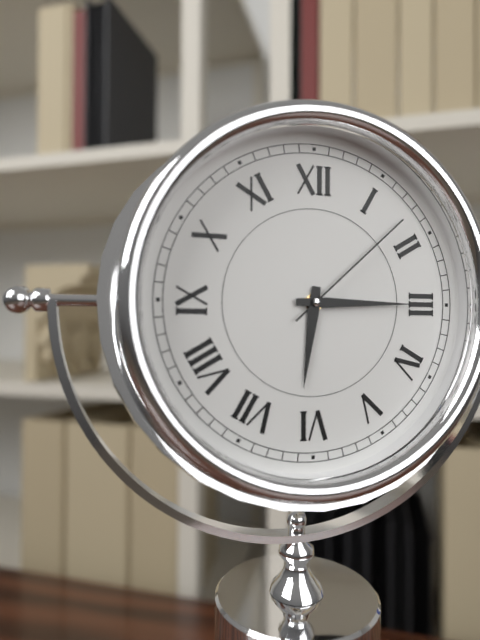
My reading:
6 h 15 min 08 s
